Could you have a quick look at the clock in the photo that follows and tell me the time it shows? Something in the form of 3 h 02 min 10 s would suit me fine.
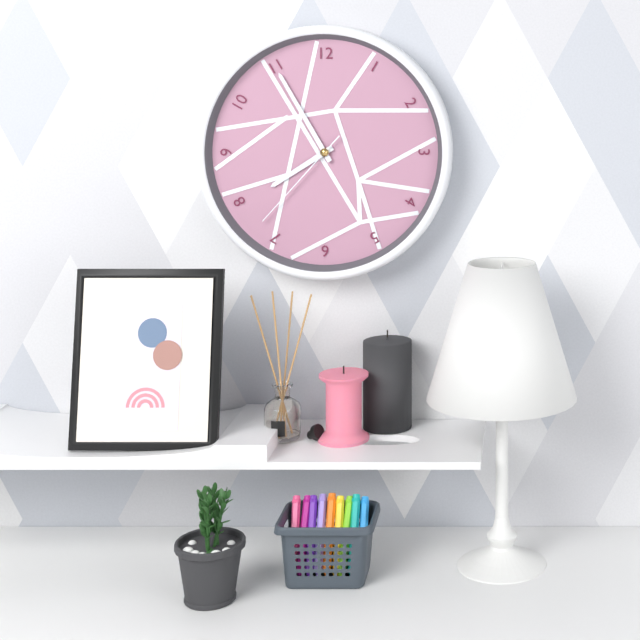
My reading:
7 h 55 min 37 s
